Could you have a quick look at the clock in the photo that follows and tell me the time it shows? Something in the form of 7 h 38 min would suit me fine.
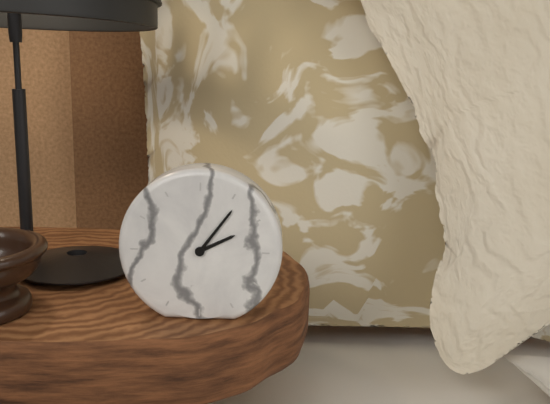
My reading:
2 h 06 min
